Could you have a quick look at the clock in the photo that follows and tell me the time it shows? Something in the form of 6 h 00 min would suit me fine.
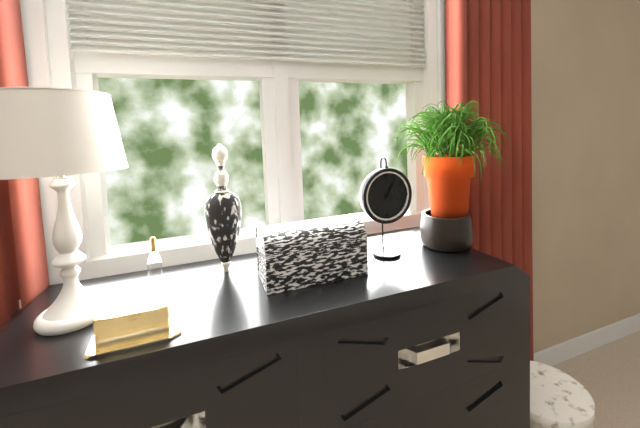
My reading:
1 h 05 min
